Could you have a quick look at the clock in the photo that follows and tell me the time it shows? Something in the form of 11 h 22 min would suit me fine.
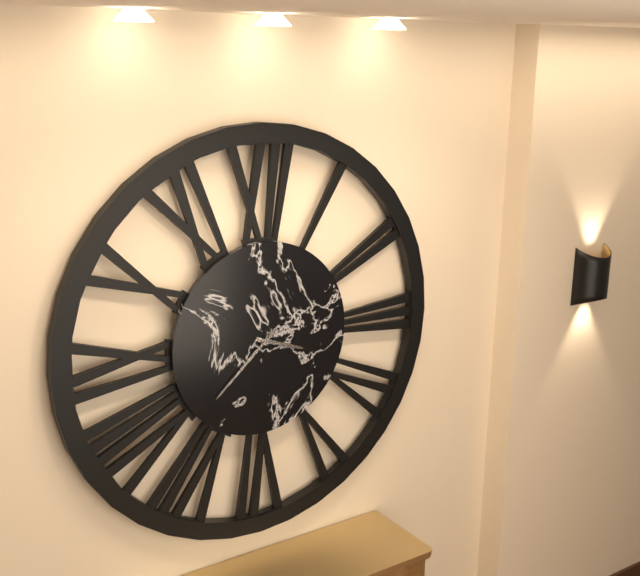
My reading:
3 h 38 min
